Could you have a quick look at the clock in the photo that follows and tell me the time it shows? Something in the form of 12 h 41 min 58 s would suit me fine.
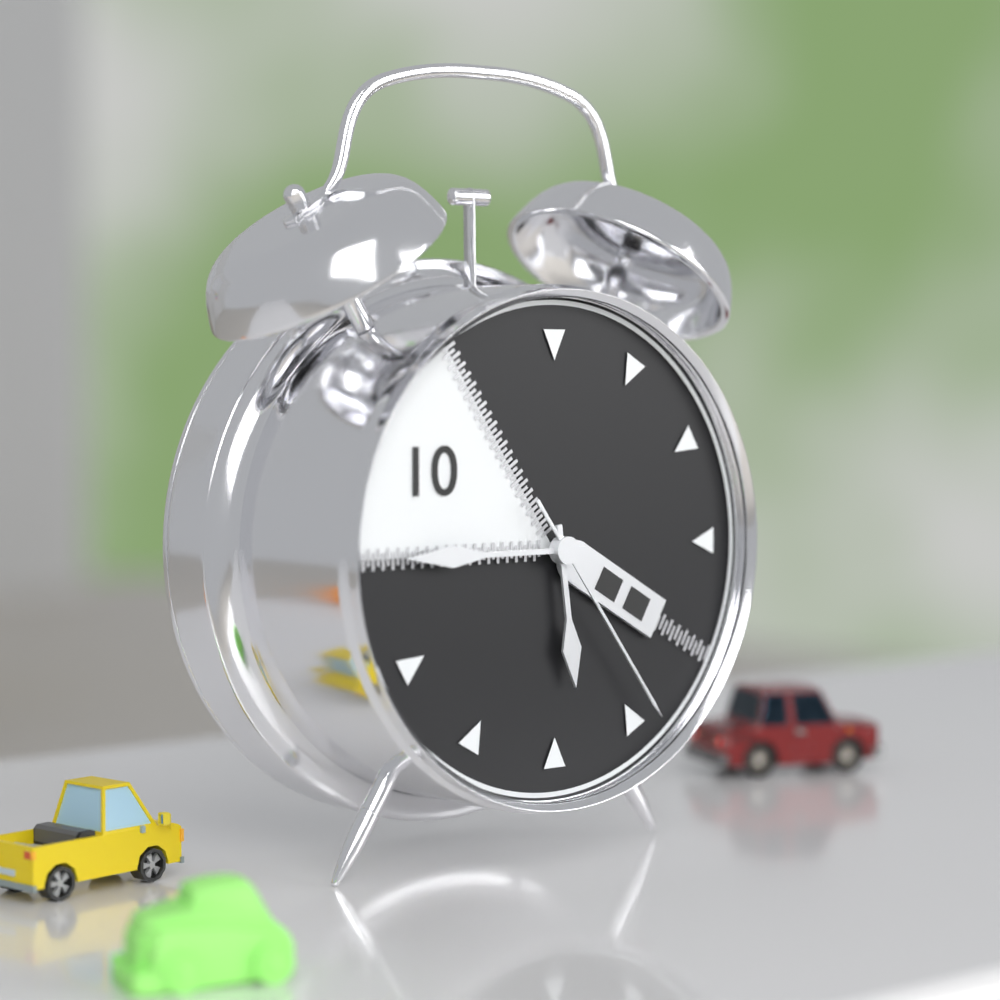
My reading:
5 h 45 min 24 s
